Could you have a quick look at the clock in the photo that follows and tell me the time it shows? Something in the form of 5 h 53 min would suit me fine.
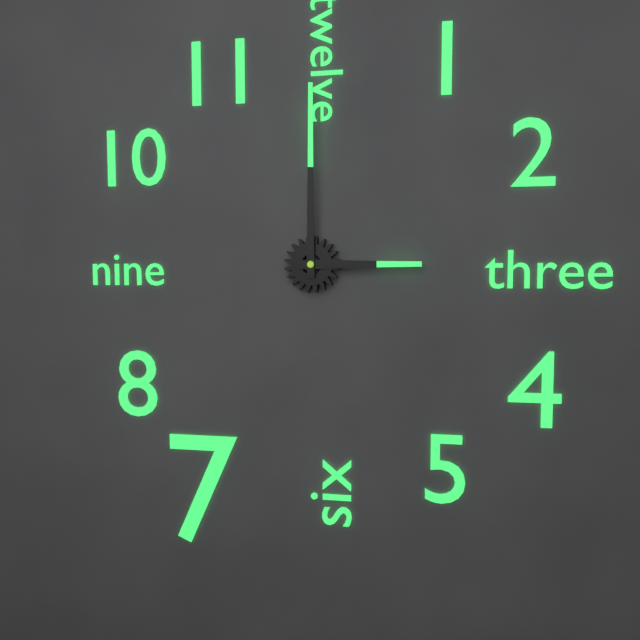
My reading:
3 h 00 min
